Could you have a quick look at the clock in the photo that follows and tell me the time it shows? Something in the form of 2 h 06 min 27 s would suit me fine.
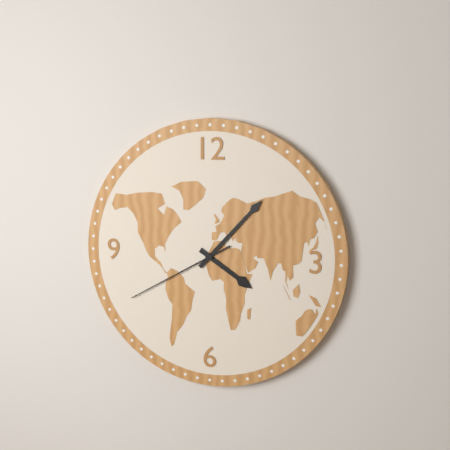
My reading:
4 h 07 min 40 s
